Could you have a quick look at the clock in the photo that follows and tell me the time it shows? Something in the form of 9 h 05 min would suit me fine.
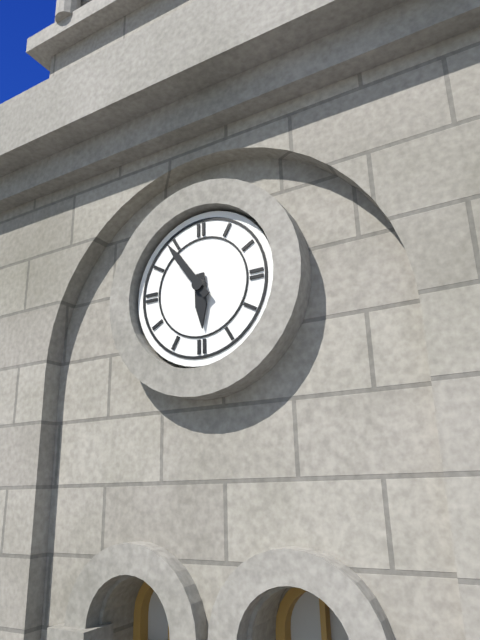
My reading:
5 h 54 min
